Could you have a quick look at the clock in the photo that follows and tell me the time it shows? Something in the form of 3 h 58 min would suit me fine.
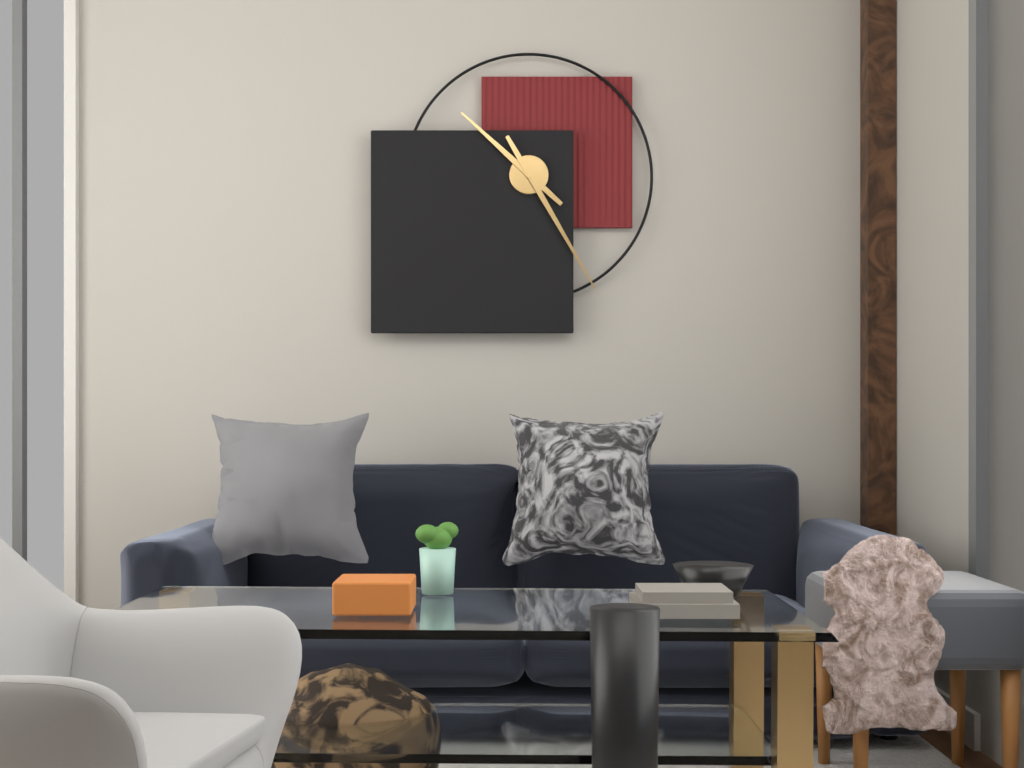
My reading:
10 h 25 min
